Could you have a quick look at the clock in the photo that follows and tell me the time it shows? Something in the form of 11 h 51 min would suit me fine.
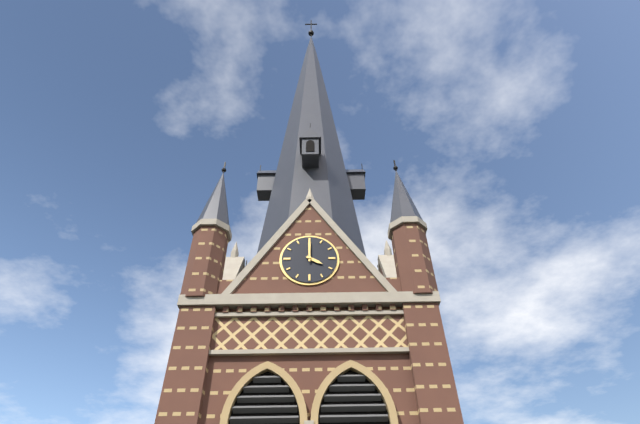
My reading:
4 h 00 min
